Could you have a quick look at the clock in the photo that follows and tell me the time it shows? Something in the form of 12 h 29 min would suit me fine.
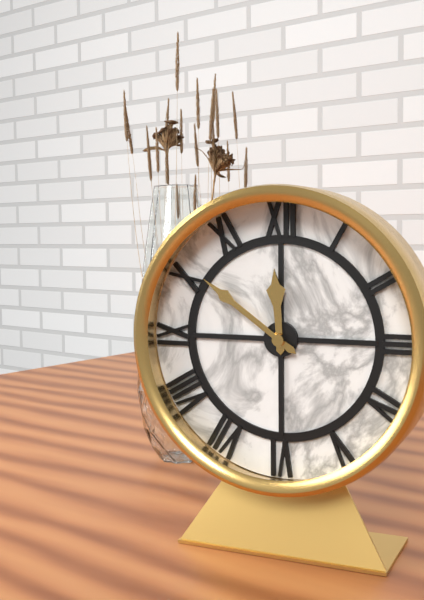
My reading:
11 h 51 min
